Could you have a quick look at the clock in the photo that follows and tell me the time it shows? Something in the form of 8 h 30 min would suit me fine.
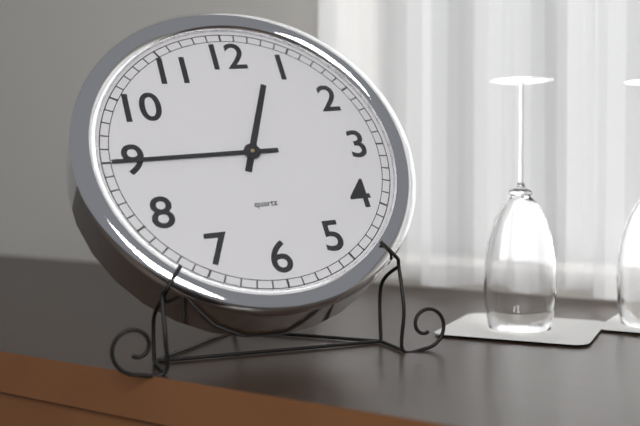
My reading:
12 h 45 min
